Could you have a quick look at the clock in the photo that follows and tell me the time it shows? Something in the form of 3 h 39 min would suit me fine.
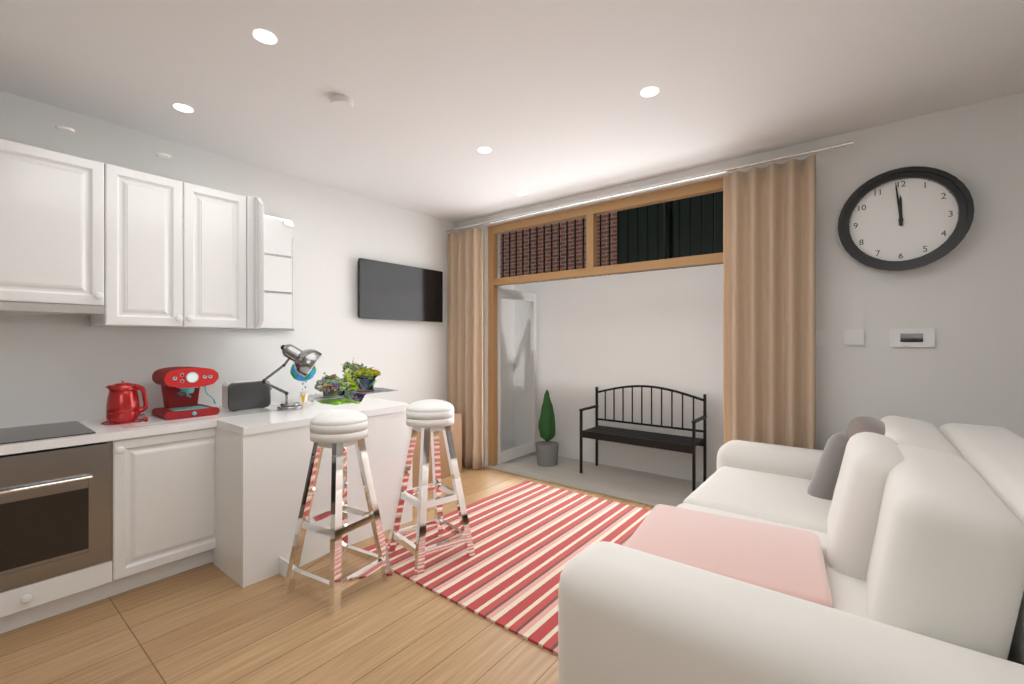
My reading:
11 h 59 min
